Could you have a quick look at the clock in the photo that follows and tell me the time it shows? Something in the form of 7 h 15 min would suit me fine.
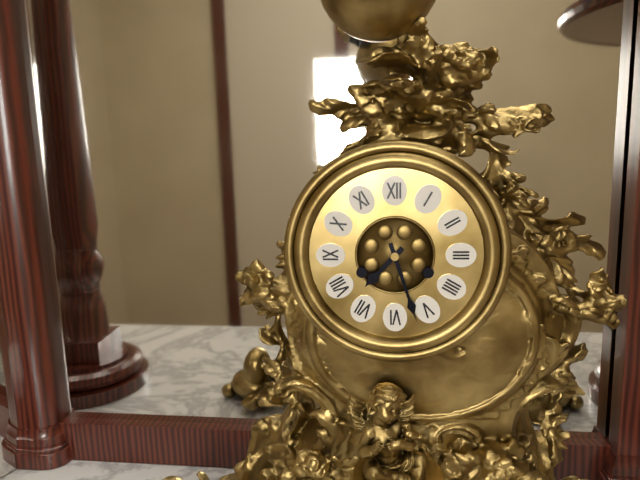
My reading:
7 h 27 min
